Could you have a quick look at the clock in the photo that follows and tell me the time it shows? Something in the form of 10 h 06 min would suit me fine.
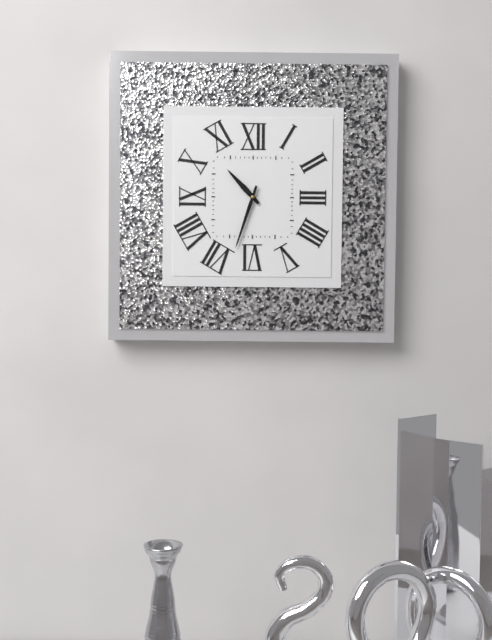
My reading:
10 h 33 min
